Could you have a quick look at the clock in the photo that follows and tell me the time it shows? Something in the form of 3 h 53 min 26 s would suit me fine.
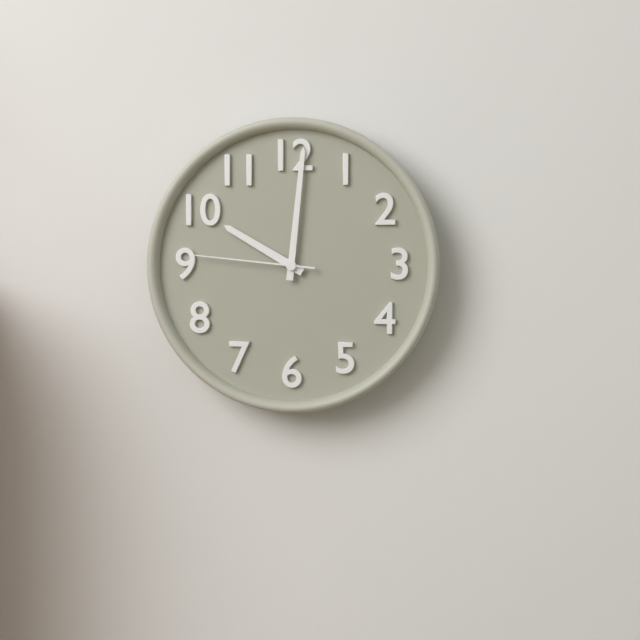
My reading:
10 h 01 min 46 s
